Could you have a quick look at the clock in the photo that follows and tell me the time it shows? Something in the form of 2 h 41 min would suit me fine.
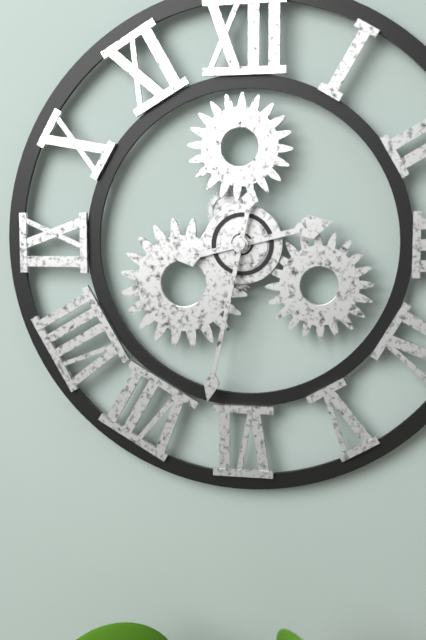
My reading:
2 h 32 min
